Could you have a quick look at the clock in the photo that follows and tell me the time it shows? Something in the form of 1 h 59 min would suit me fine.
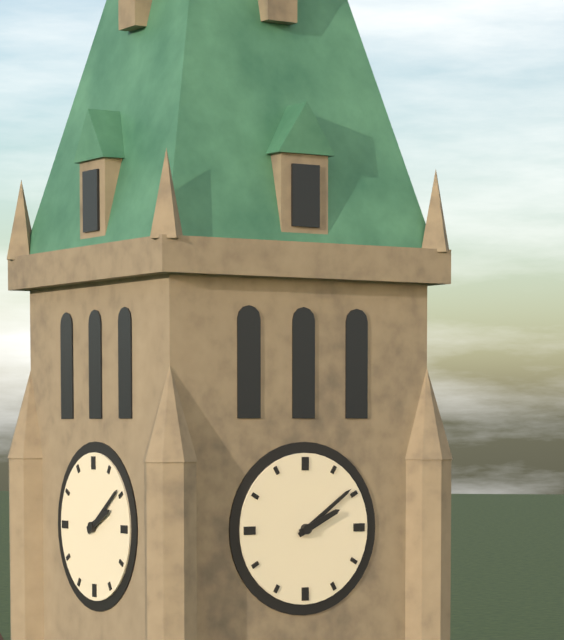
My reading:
2 h 09 min
